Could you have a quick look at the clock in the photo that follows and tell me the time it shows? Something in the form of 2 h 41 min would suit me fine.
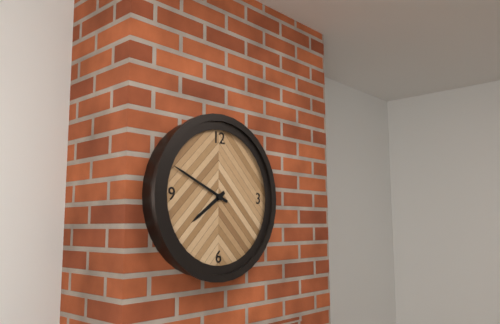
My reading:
7 h 49 min
